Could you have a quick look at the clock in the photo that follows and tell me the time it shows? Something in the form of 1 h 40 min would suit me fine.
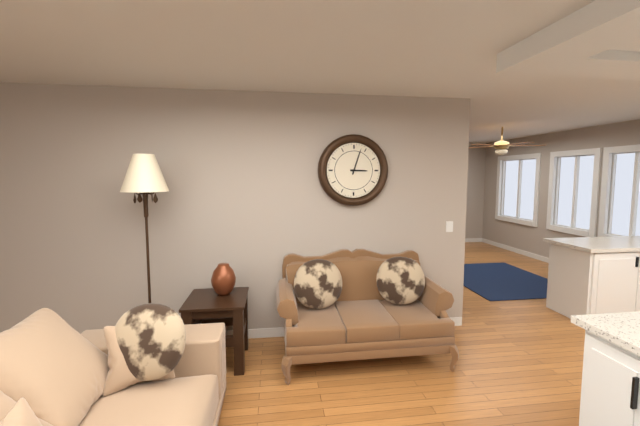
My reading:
3 h 03 min
